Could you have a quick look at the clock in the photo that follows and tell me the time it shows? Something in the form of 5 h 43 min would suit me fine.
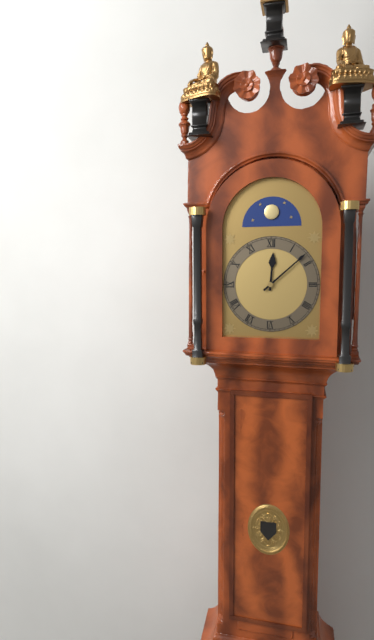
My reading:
12 h 08 min
